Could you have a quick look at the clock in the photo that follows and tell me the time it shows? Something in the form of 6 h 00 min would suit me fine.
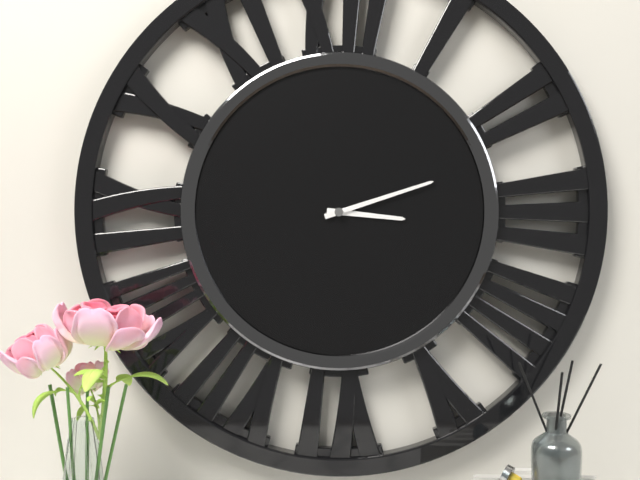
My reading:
3 h 12 min
